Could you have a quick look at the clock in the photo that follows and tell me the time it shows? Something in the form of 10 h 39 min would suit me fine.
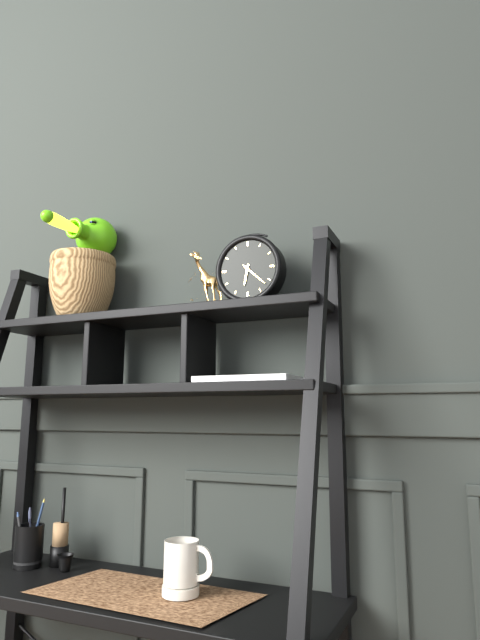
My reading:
6 h 22 min
